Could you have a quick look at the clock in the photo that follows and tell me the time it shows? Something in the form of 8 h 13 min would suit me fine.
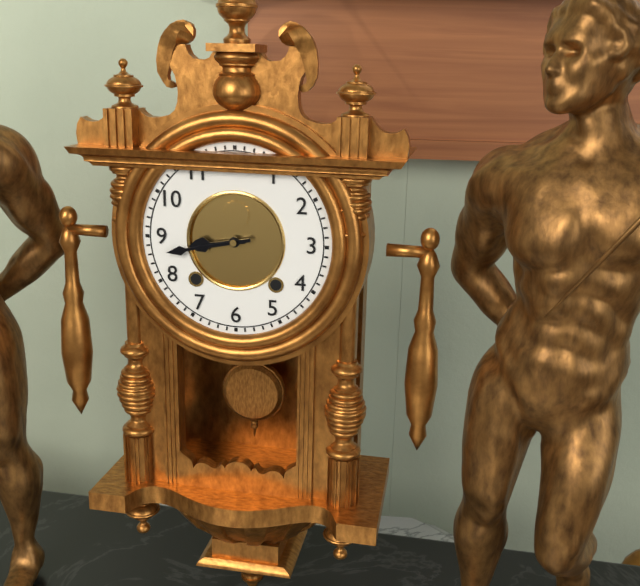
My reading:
8 h 43 min
